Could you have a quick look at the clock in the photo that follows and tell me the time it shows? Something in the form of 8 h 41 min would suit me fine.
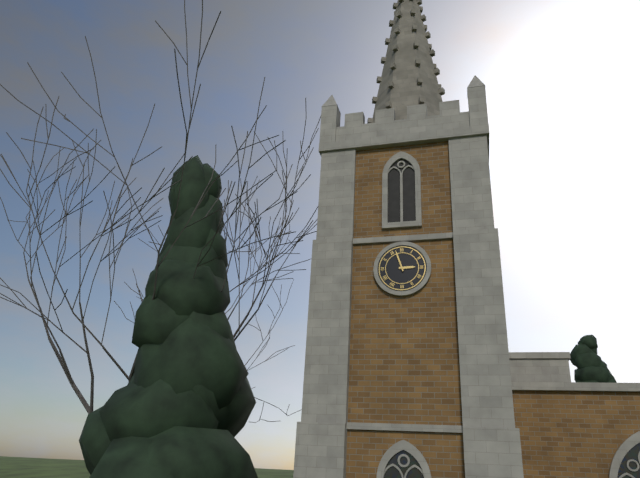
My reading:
2 h 57 min
